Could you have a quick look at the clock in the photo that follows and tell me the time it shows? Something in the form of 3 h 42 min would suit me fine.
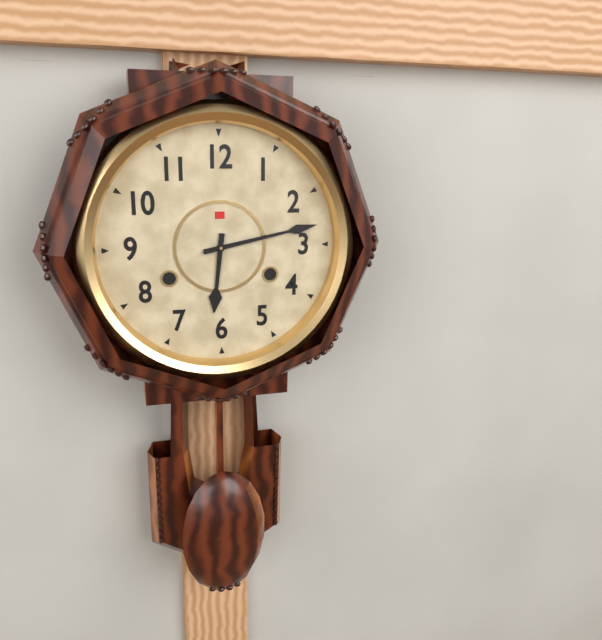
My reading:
6 h 13 min
